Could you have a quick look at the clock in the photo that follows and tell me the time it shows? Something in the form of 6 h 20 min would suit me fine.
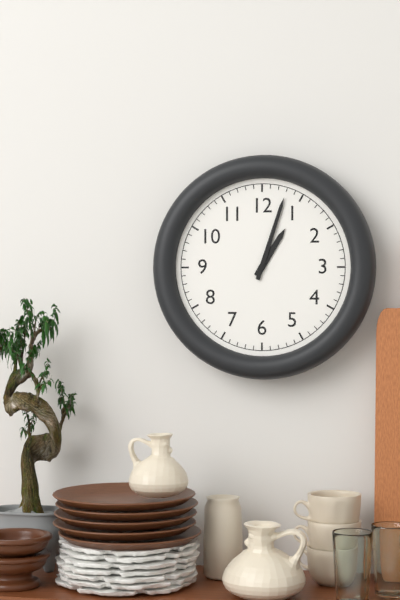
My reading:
1 h 03 min
